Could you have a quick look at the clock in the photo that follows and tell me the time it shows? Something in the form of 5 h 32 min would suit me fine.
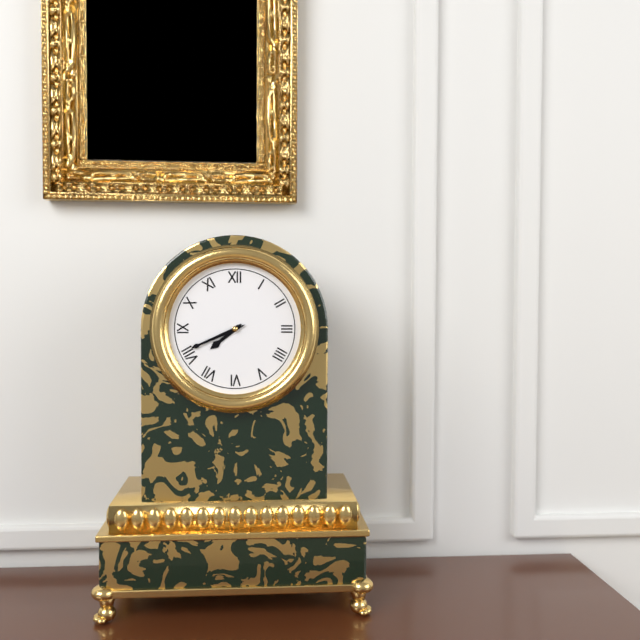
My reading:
7 h 41 min
